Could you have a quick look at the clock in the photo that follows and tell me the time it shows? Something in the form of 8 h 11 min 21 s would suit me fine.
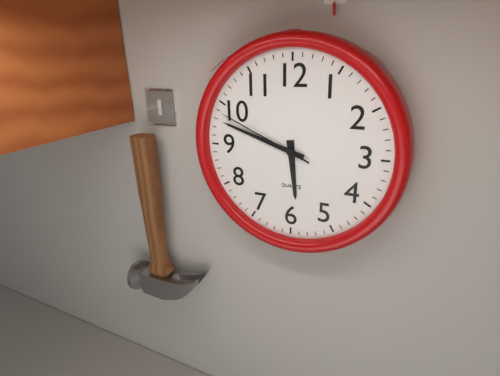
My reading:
5 h 48 min 49 s
